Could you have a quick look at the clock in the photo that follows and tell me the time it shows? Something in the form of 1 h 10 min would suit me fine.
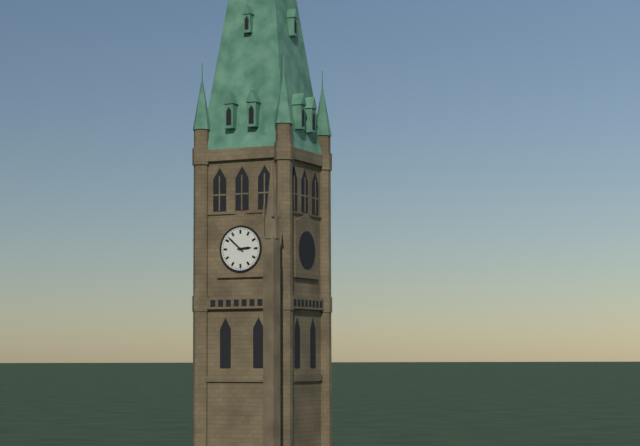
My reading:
2 h 52 min
